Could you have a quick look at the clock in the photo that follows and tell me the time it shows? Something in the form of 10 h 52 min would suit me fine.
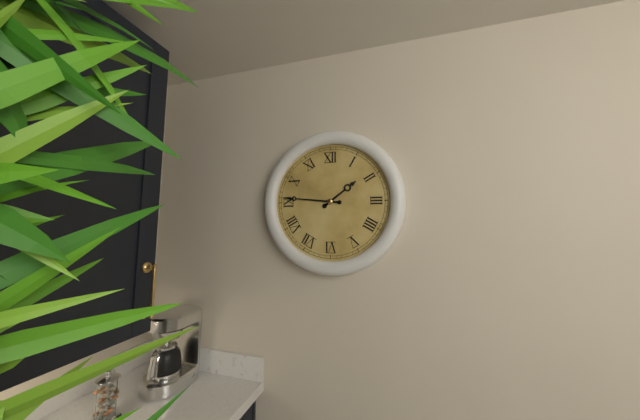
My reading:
1 h 46 min
